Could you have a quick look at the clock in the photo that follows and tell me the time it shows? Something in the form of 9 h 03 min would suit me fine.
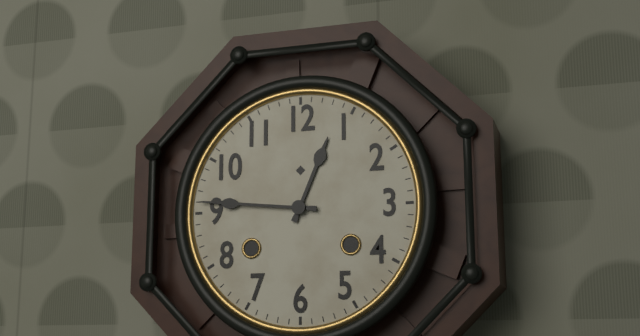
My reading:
12 h 46 min
